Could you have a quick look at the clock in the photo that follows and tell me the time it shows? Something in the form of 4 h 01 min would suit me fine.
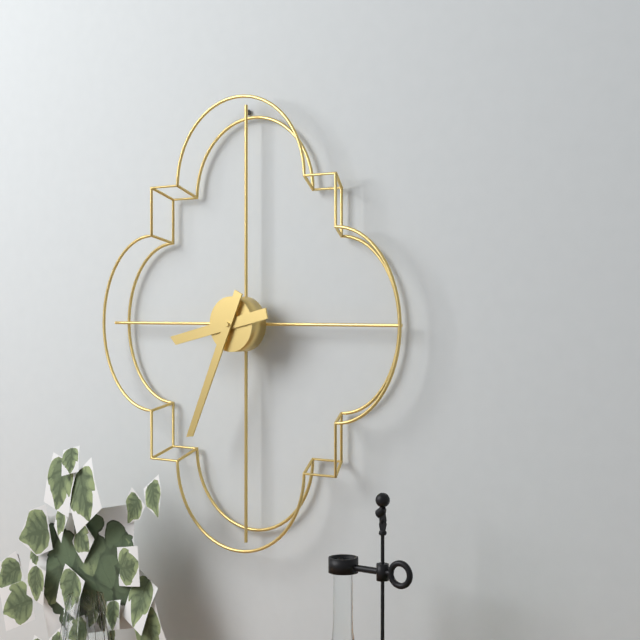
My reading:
8 h 34 min
